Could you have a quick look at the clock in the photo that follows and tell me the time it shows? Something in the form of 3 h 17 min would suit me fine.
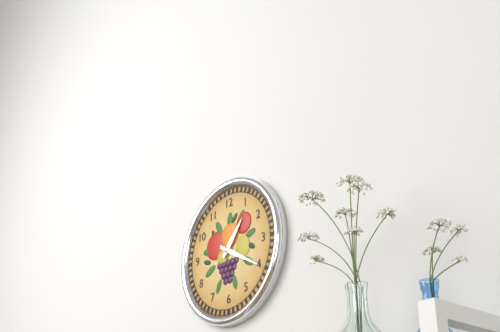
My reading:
1 h 20 min
